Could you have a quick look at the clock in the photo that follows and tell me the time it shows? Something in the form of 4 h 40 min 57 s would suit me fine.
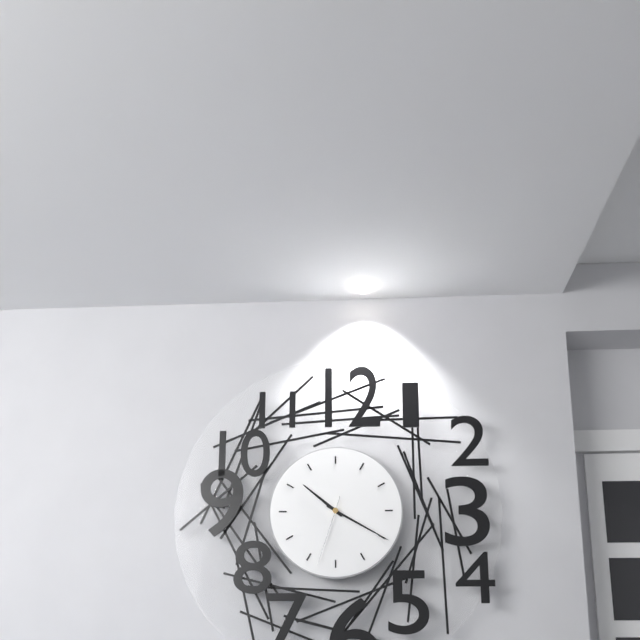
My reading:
10 h 20 min 33 s
